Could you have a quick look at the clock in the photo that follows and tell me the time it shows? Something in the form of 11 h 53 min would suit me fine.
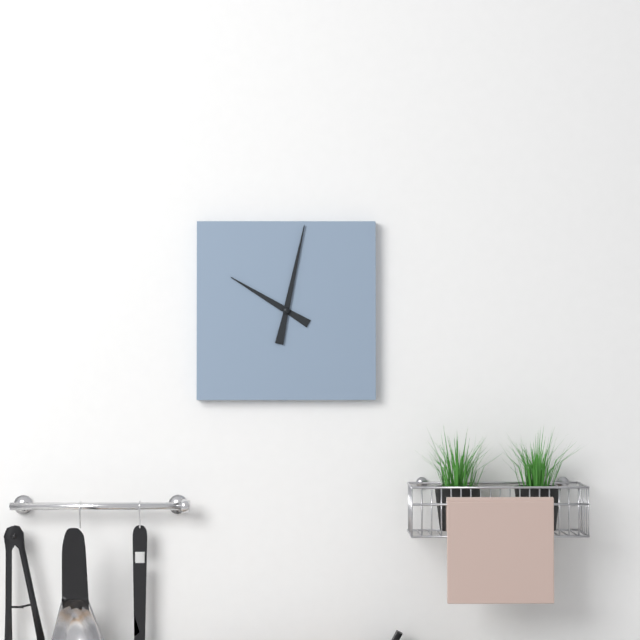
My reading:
10 h 02 min
